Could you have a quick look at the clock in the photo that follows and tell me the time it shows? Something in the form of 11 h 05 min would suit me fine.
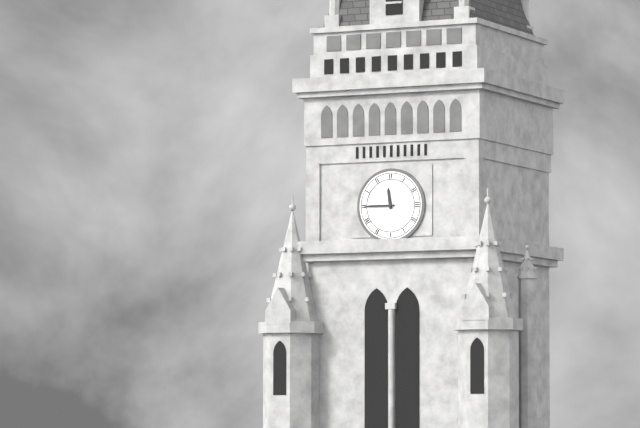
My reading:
11 h 45 min
